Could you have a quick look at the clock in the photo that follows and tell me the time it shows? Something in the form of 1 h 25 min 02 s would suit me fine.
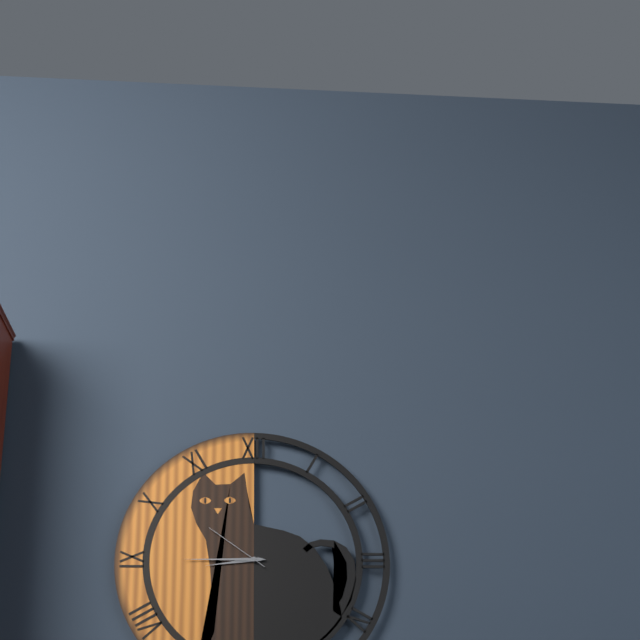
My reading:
8 h 45 min 51 s
